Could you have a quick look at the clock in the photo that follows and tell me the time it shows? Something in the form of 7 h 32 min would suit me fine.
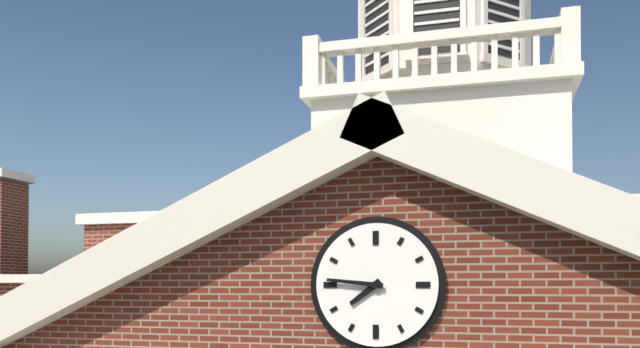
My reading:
7 h 46 min
